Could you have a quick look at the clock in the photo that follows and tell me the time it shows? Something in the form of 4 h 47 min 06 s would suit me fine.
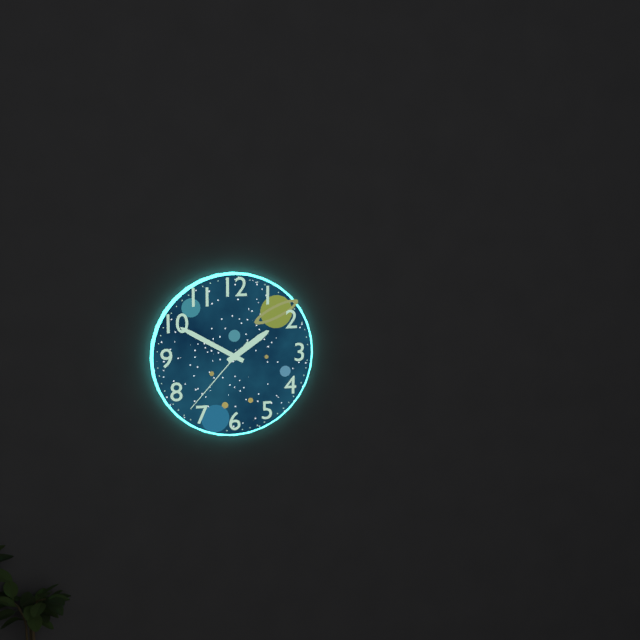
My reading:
1 h 50 min 37 s
